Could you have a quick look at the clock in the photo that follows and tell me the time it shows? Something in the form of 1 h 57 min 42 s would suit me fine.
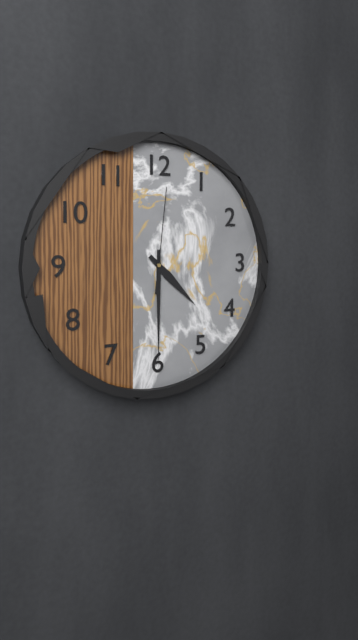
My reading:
4 h 30 min 01 s
